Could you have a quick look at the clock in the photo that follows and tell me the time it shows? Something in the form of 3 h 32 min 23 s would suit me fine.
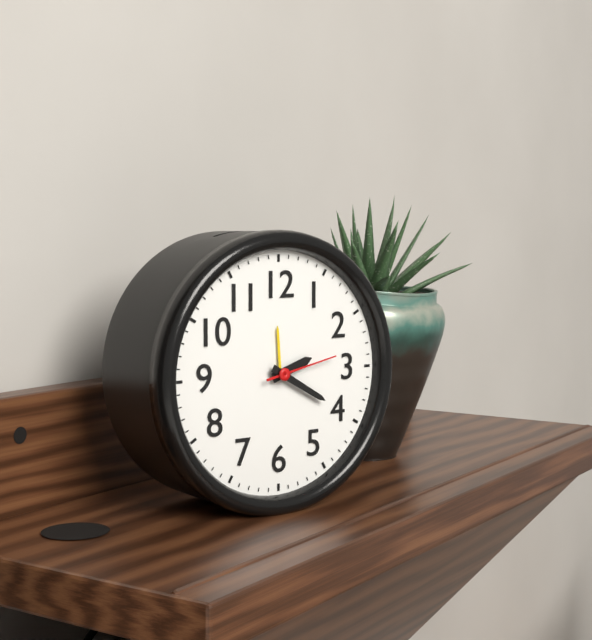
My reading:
2 h 20 min 13 s
